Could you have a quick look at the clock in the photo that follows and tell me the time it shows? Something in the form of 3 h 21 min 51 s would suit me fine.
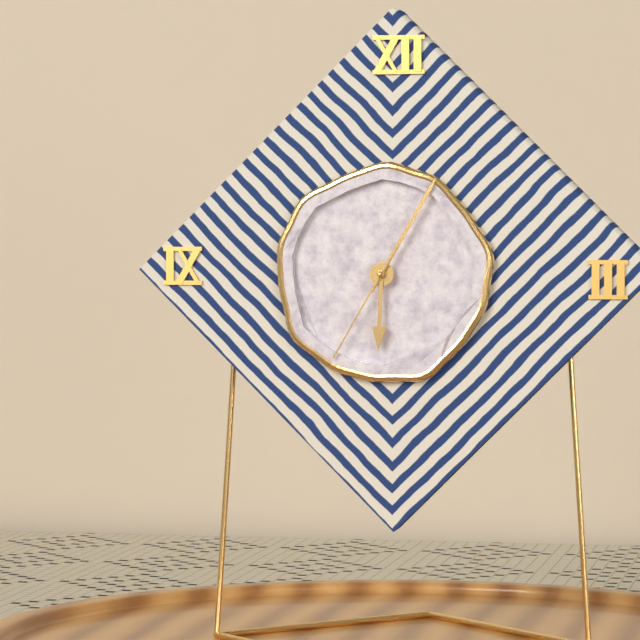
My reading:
6 h 05 min 35 s
